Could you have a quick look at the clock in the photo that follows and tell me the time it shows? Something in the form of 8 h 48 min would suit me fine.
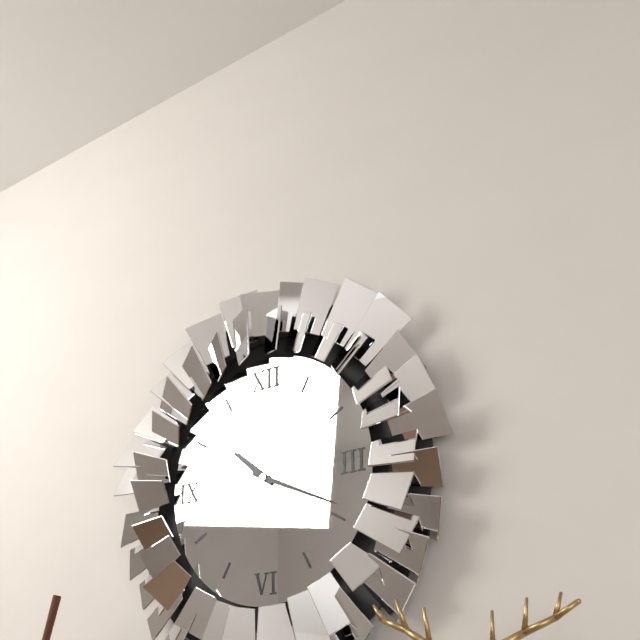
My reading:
10 h 19 min
